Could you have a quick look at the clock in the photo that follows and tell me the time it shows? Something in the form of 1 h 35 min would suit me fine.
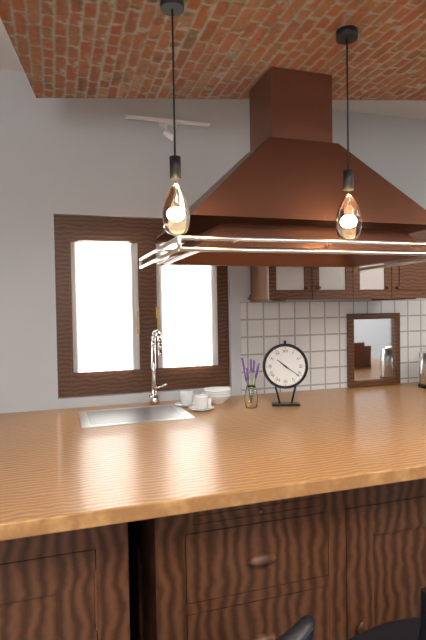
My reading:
10 h 21 min
